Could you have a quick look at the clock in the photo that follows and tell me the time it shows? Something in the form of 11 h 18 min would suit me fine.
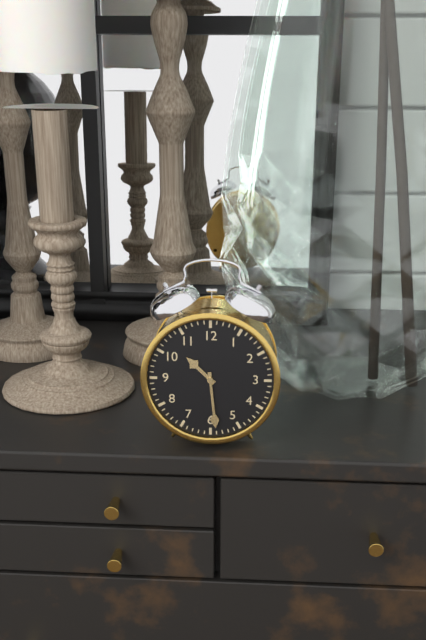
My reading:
10 h 29 min
